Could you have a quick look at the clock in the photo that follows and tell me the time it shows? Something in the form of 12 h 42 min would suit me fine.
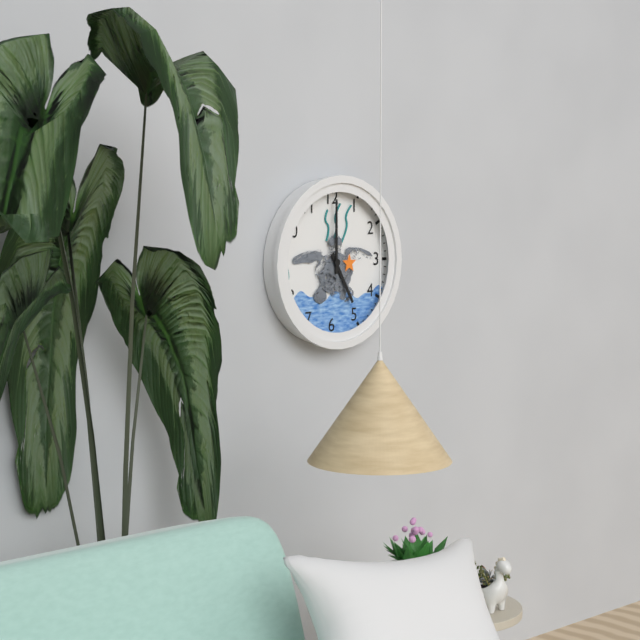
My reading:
5 h 00 min
